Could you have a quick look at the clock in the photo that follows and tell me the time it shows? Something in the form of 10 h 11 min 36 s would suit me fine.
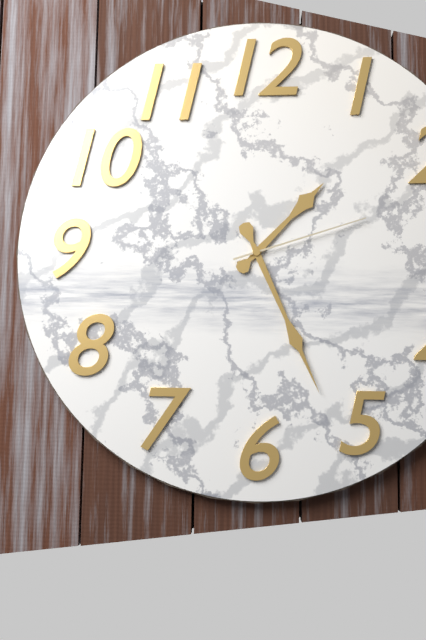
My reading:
1 h 26 min 12 s
